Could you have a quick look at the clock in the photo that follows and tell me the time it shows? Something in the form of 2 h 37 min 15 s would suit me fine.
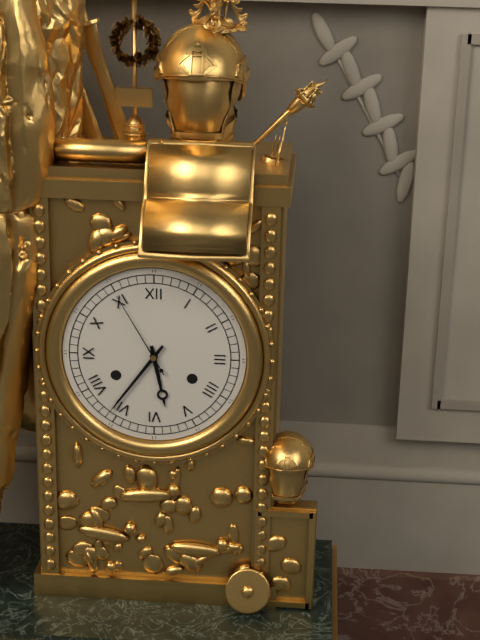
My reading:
5 h 36 min 55 s
